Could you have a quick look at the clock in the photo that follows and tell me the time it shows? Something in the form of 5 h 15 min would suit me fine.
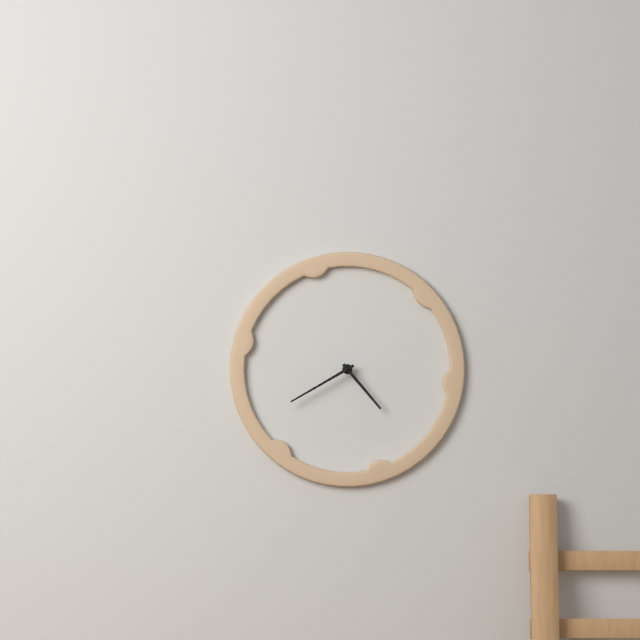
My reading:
4 h 40 min
